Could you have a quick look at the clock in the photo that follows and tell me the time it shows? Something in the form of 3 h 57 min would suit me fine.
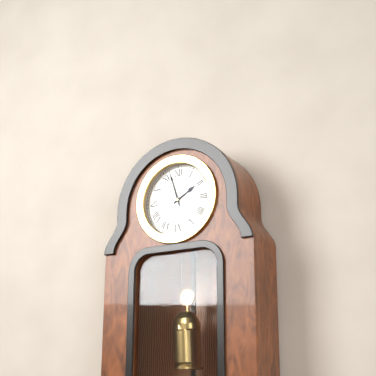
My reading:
1 h 57 min
